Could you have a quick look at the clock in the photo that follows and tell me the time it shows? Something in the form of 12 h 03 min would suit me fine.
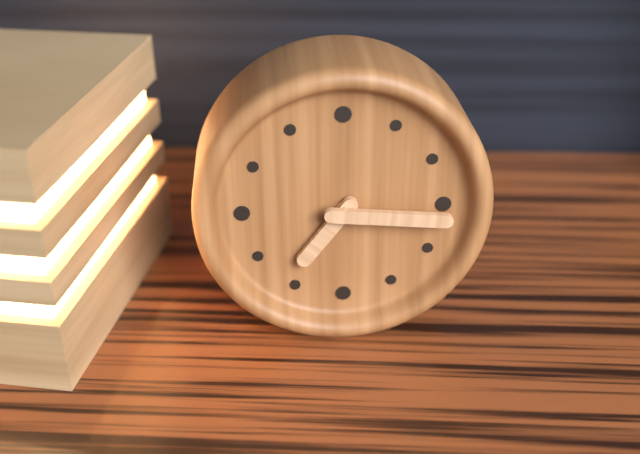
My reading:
7 h 16 min
